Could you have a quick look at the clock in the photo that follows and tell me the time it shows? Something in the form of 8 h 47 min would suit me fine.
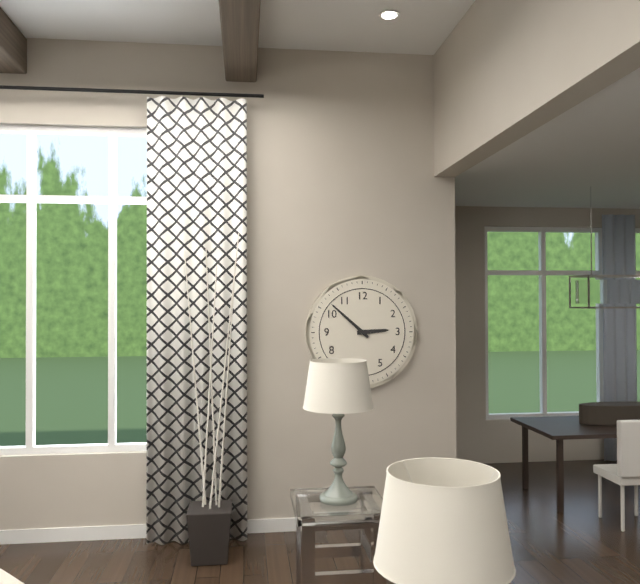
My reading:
2 h 52 min
